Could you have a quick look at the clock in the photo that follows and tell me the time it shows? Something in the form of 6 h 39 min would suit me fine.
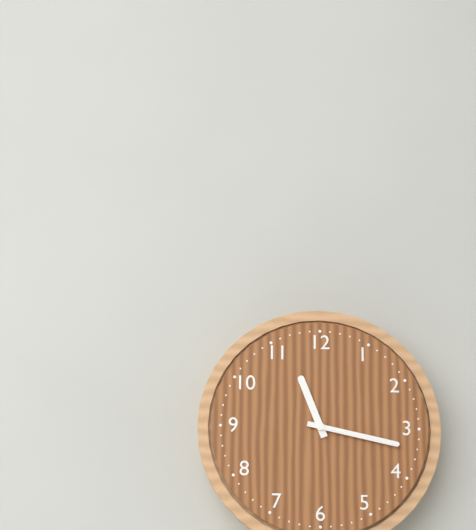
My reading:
11 h 17 min
